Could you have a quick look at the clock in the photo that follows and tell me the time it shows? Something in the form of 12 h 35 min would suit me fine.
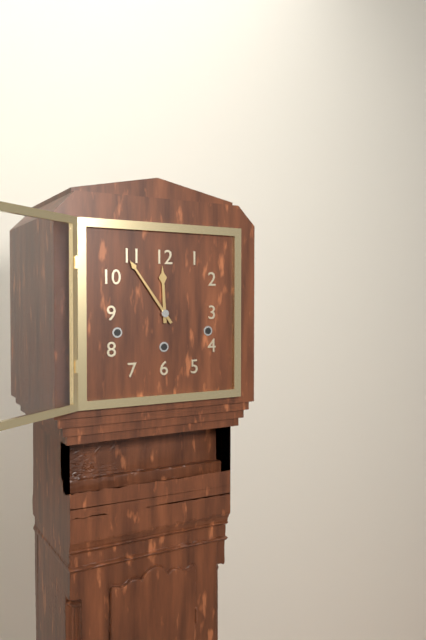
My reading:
11 h 54 min
